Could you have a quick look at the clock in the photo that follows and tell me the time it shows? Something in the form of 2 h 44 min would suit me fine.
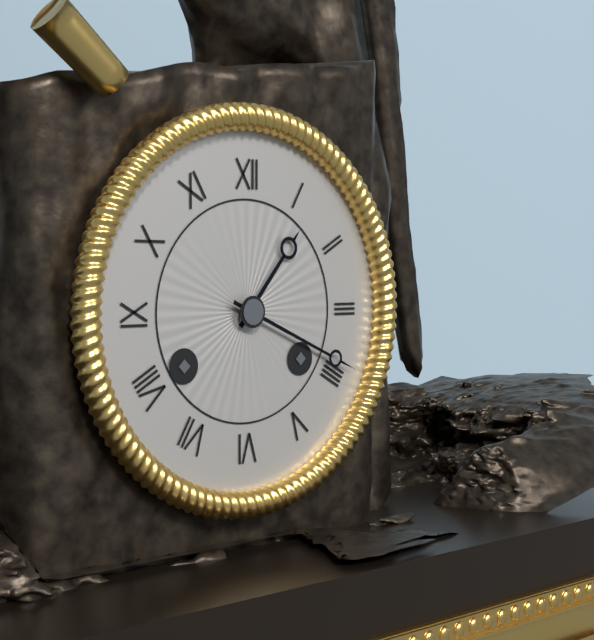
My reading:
1 h 19 min
